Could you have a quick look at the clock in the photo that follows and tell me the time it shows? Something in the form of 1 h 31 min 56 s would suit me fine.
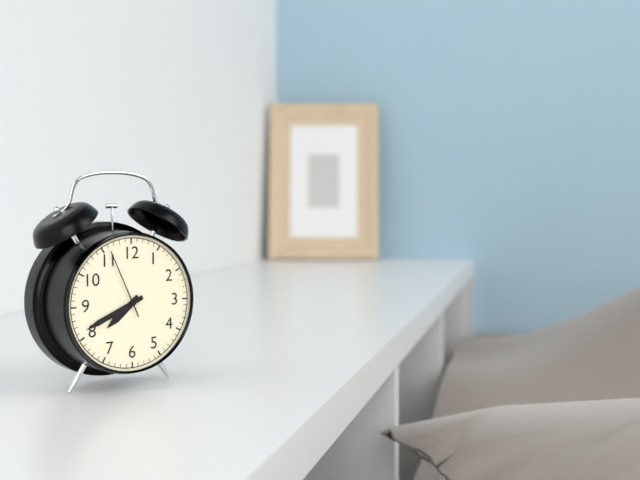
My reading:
7 h 41 min 56 s
